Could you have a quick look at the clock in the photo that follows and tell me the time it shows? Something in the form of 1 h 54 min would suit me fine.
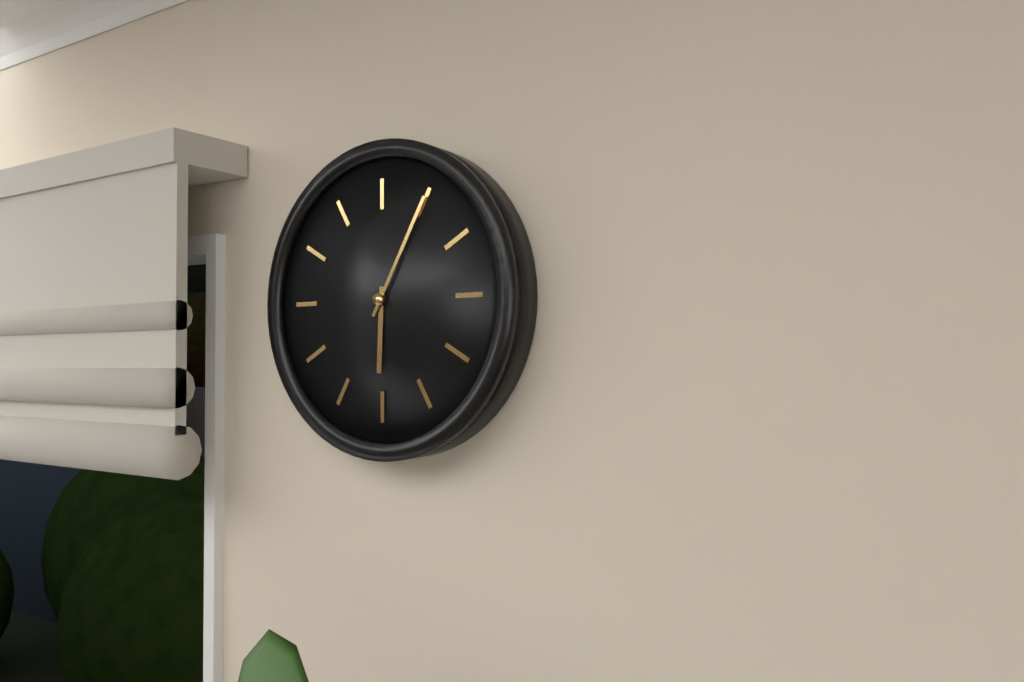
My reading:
6 h 05 min
